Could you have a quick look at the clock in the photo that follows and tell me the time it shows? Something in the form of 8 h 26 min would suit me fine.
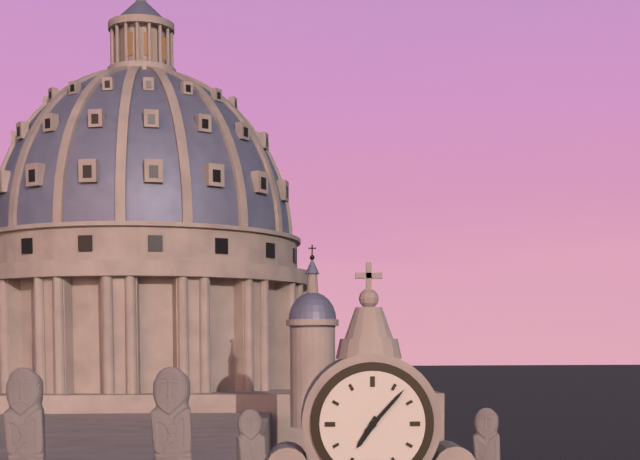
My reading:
7 h 07 min
